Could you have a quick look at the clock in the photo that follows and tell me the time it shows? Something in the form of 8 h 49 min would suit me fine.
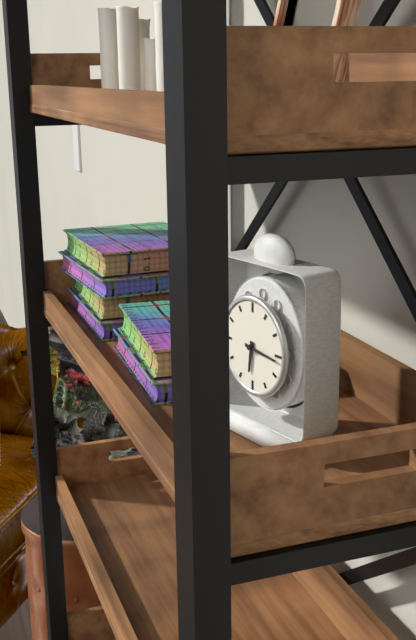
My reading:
6 h 16 min
